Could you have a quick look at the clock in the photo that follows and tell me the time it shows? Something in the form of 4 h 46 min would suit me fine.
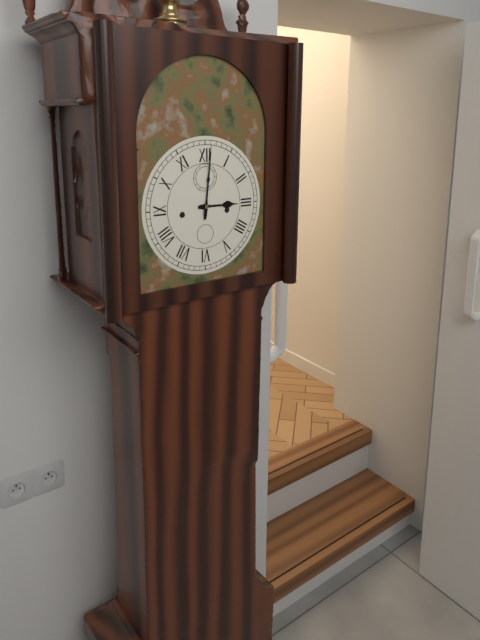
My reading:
3 h 01 min
